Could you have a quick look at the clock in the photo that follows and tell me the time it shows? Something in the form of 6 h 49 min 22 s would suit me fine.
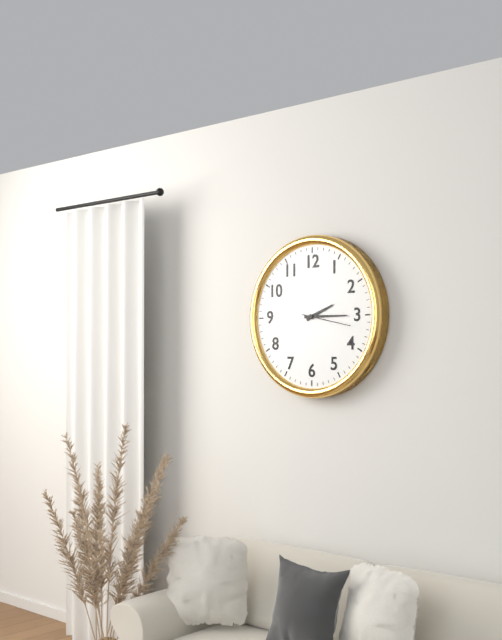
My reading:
2 h 15 min 17 s
